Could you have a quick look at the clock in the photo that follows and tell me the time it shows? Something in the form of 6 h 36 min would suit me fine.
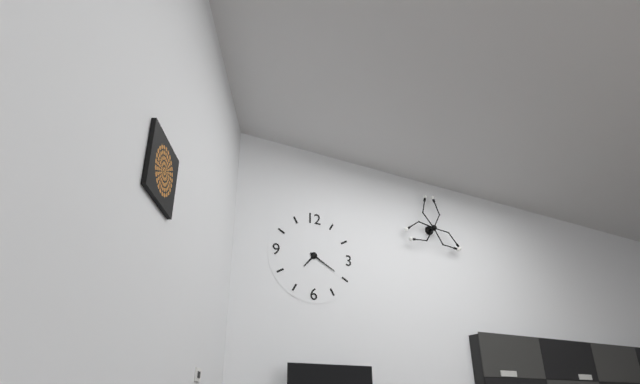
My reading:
7 h 20 min
